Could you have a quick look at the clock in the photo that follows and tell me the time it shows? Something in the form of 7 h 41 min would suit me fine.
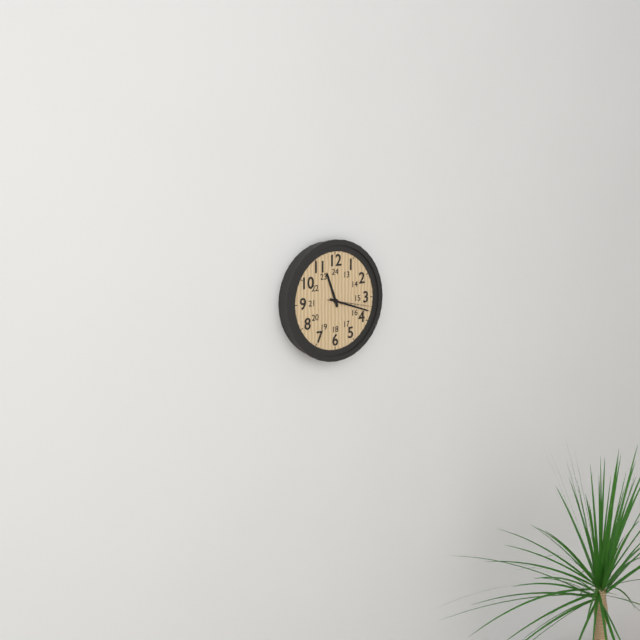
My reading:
11 h 18 min
